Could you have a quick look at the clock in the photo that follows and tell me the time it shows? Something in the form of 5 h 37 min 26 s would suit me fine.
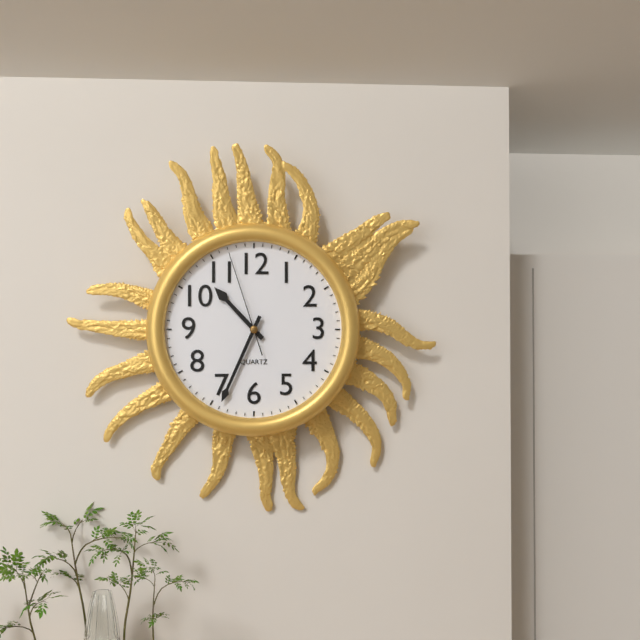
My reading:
10 h 34 min 57 s
